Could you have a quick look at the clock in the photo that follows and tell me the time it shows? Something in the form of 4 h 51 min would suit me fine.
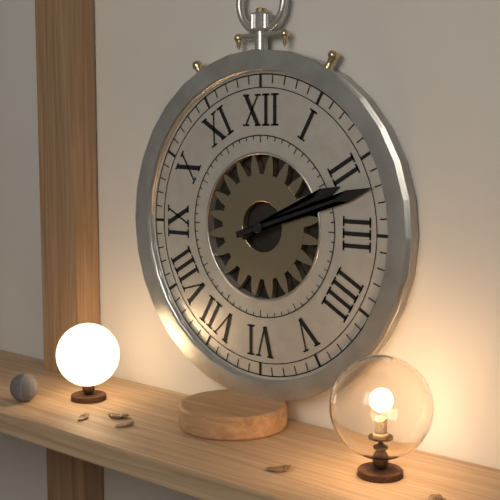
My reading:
2 h 12 min
